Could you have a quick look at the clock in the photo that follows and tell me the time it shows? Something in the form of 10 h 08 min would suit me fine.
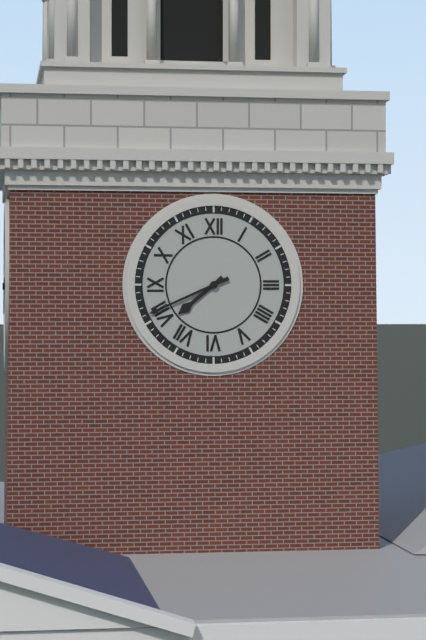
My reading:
7 h 41 min
